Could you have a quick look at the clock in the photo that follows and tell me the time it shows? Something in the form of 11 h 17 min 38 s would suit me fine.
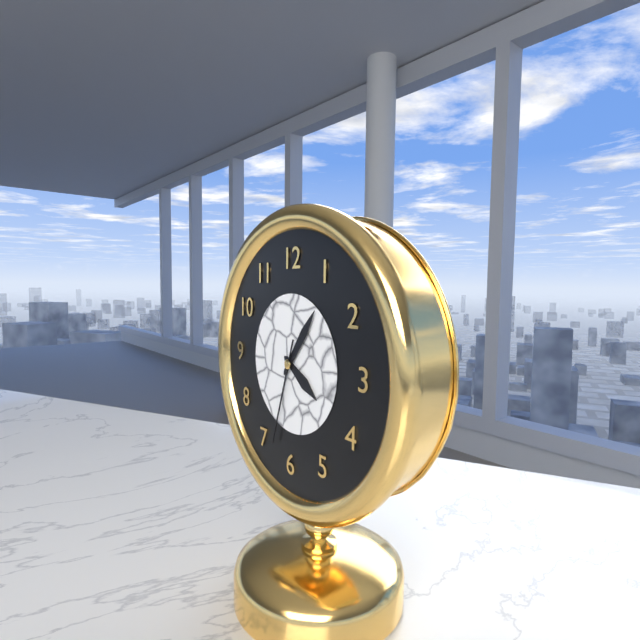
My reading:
4 h 06 min 33 s
